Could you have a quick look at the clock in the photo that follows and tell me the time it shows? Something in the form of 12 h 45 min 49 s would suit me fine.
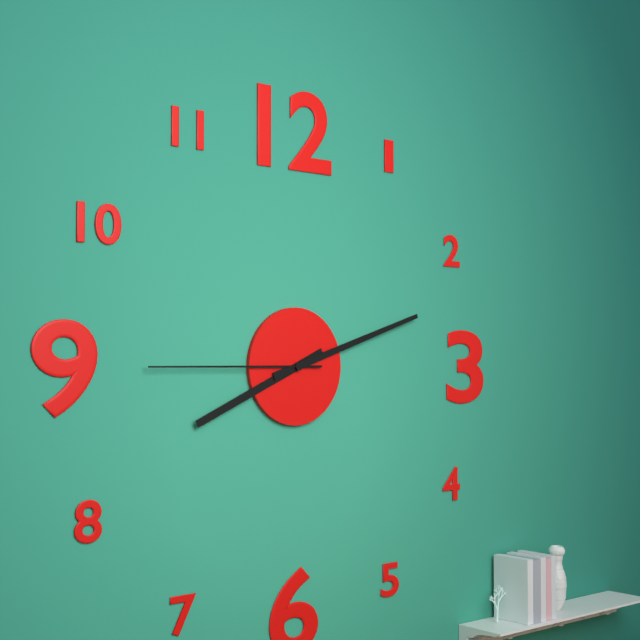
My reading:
8 h 12 min 45 s
